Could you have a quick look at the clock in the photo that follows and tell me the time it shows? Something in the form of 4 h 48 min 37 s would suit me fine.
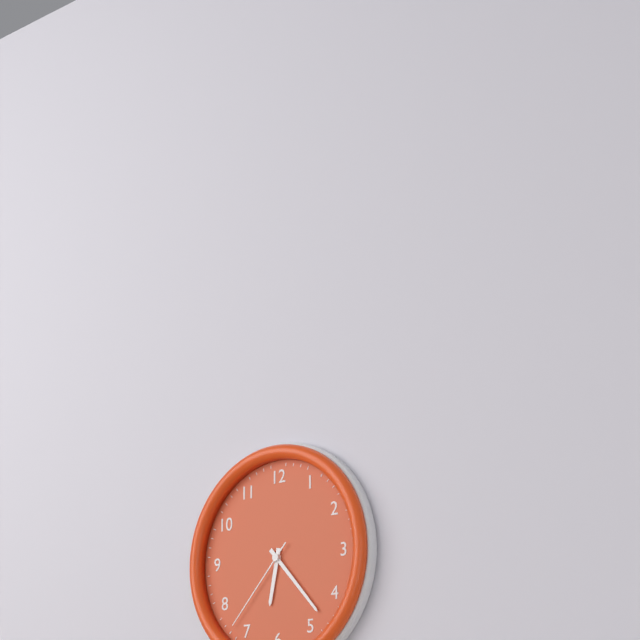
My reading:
6 h 23 min 37 s
